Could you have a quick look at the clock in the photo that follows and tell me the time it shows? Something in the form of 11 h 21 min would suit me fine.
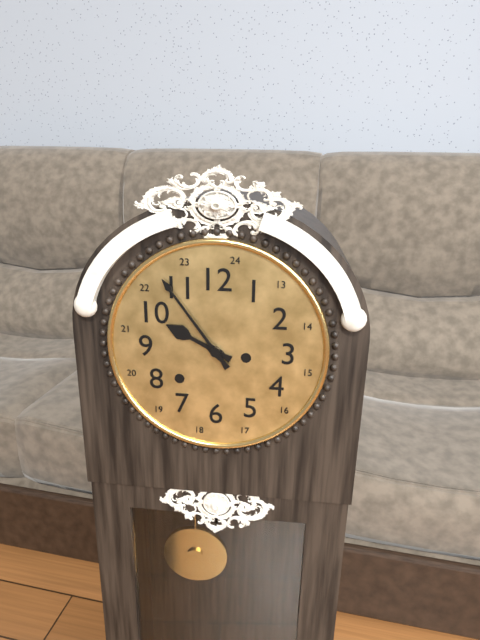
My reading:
9 h 54 min
